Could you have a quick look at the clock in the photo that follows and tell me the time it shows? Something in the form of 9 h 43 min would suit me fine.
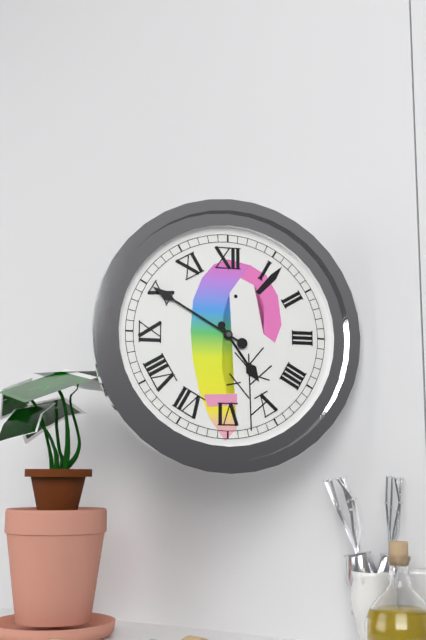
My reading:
4 h 50 min
